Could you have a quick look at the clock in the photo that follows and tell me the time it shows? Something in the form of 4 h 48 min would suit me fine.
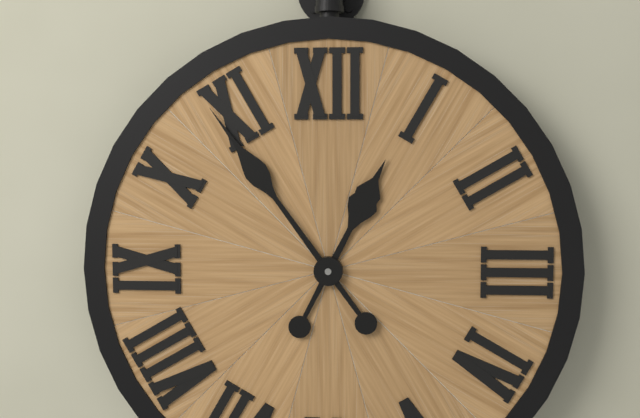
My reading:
12 h 54 min
